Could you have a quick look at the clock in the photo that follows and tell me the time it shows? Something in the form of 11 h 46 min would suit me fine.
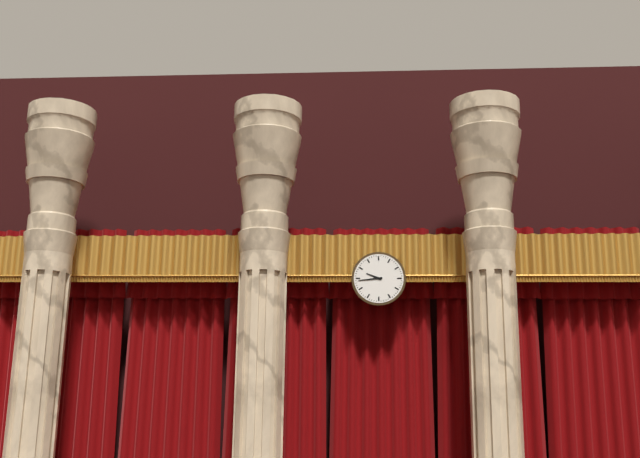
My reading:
9 h 44 min
